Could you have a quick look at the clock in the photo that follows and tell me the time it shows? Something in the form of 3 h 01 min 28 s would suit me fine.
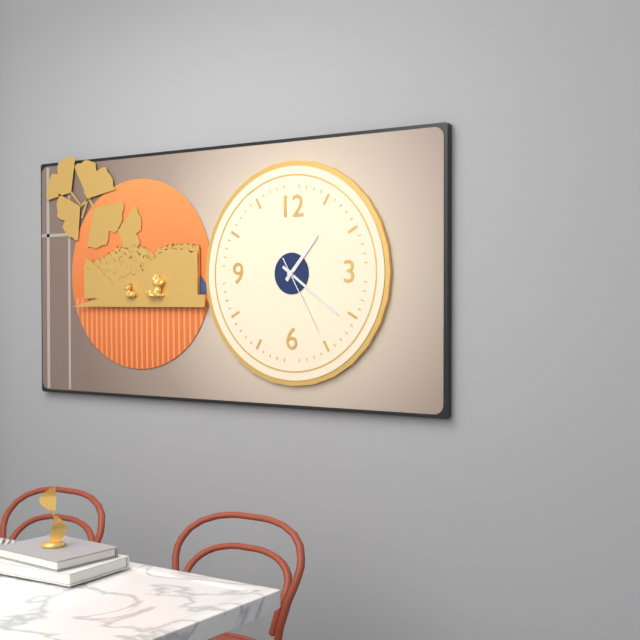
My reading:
1 h 21 min 25 s
